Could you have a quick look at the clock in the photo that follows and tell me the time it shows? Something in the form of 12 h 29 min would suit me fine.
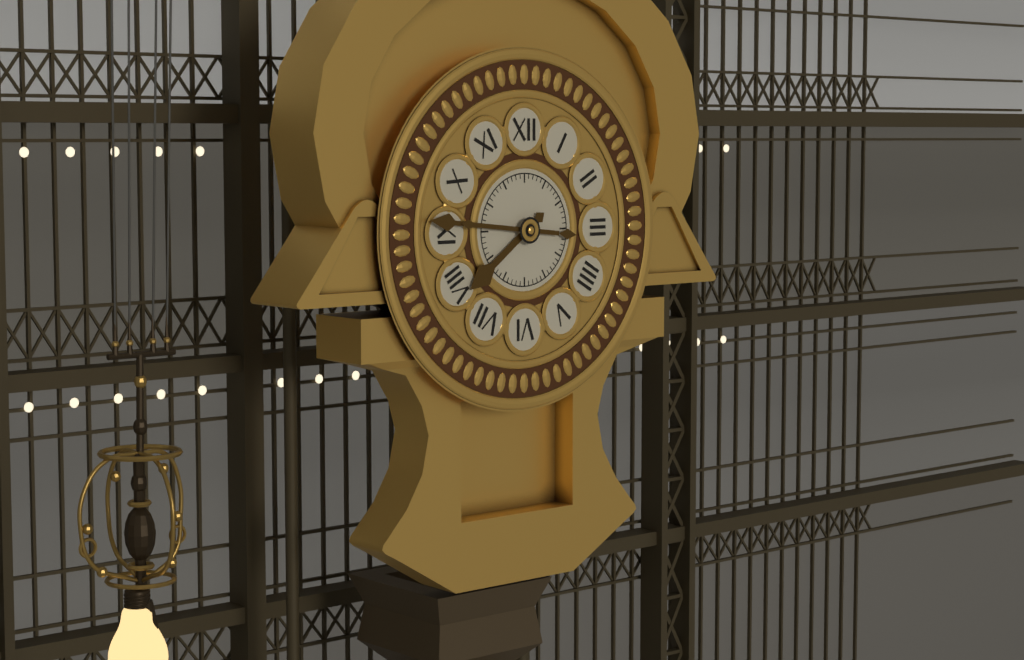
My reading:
7 h 46 min
